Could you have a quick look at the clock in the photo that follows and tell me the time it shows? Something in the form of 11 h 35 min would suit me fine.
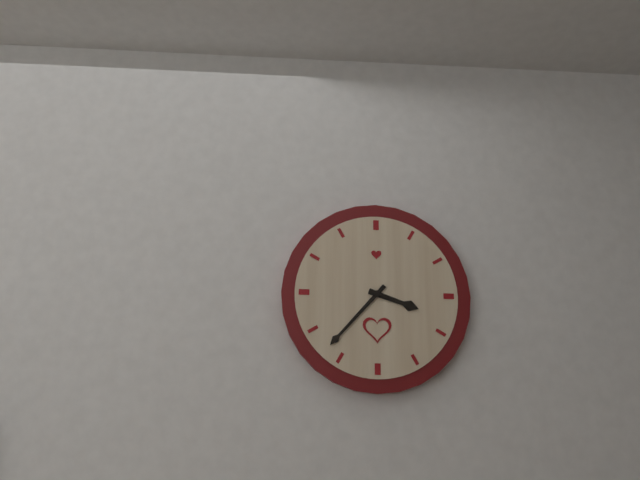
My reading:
3 h 37 min
